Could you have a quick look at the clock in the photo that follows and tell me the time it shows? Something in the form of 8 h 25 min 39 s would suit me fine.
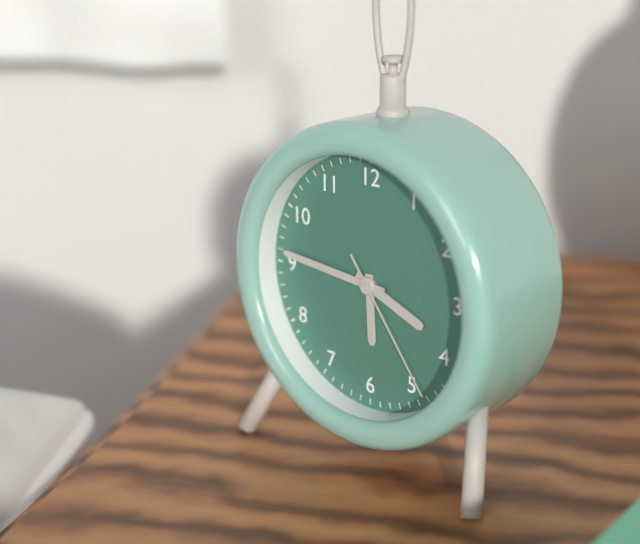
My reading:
3 h 46 min 24 s
